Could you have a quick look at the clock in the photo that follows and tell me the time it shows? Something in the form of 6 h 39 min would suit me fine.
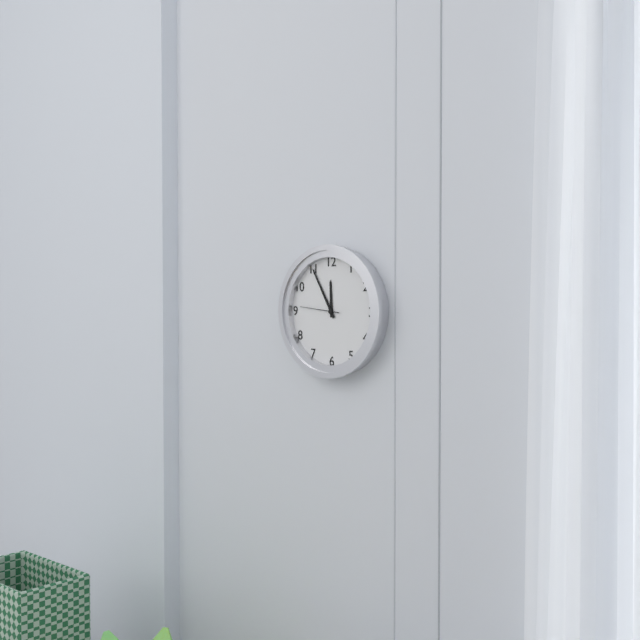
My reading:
11 h 55 min
